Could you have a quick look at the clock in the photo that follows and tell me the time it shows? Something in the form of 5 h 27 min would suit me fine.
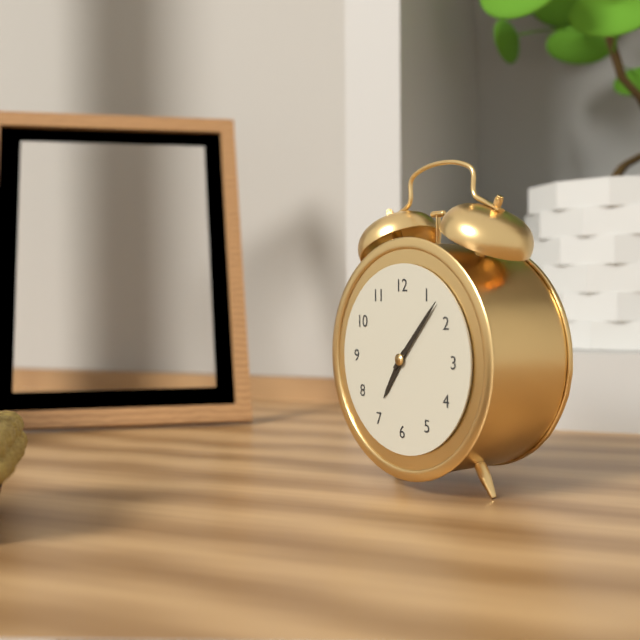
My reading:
7 h 07 min
